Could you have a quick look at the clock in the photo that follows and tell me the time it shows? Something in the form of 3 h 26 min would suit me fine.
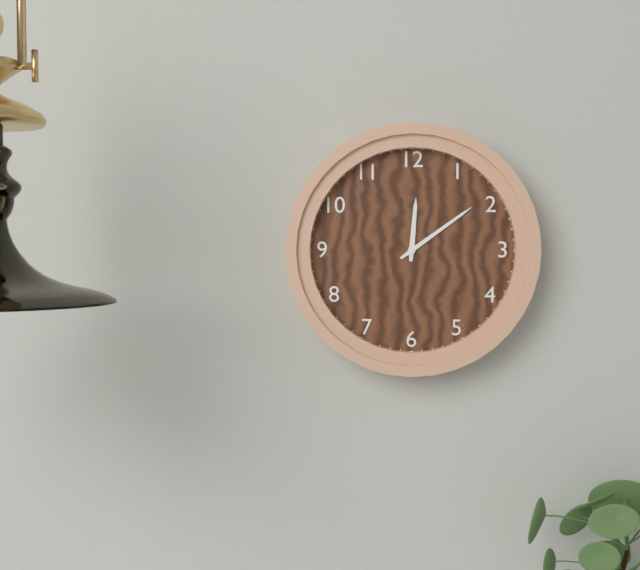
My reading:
12 h 09 min
